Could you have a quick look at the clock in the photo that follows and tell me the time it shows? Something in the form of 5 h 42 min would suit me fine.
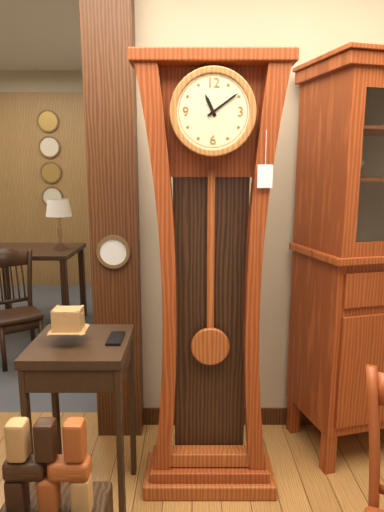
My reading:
11 h 09 min
